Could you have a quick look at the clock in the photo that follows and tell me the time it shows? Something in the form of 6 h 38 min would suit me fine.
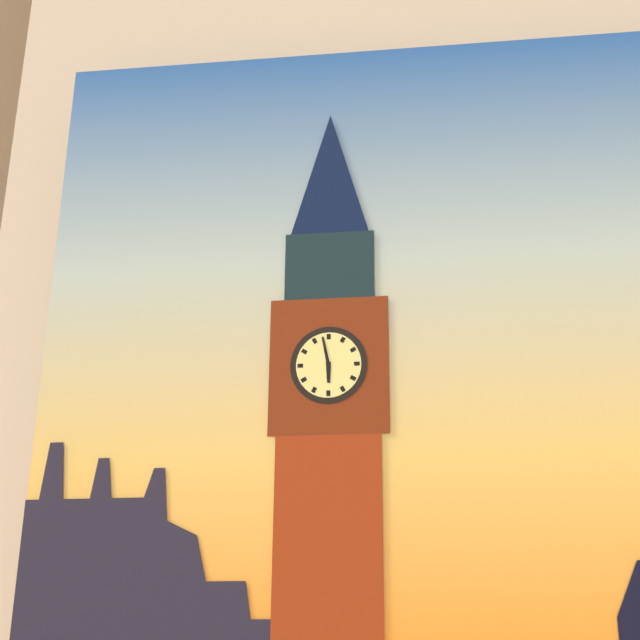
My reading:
5 h 58 min
